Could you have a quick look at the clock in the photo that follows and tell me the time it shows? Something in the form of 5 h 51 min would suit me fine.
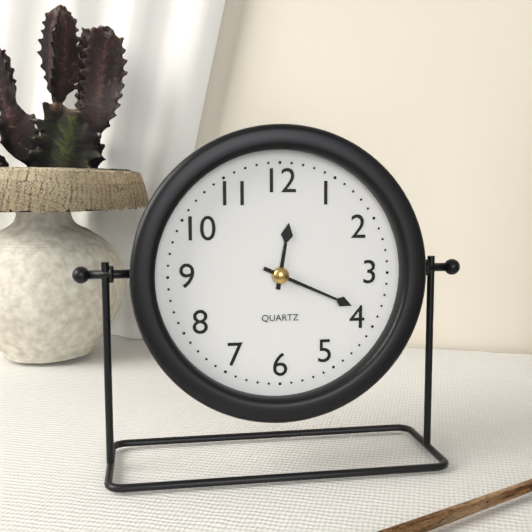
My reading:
12 h 19 min
